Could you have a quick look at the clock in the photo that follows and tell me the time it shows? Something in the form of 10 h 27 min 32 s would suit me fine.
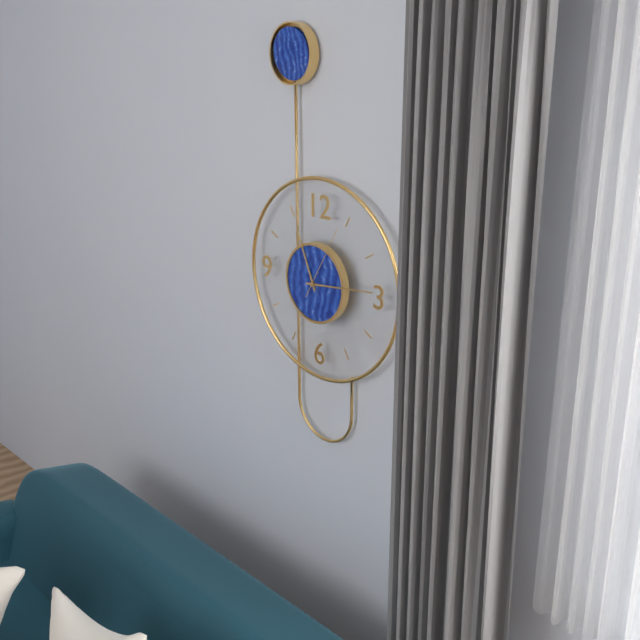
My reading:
11 h 14 min 05 s
